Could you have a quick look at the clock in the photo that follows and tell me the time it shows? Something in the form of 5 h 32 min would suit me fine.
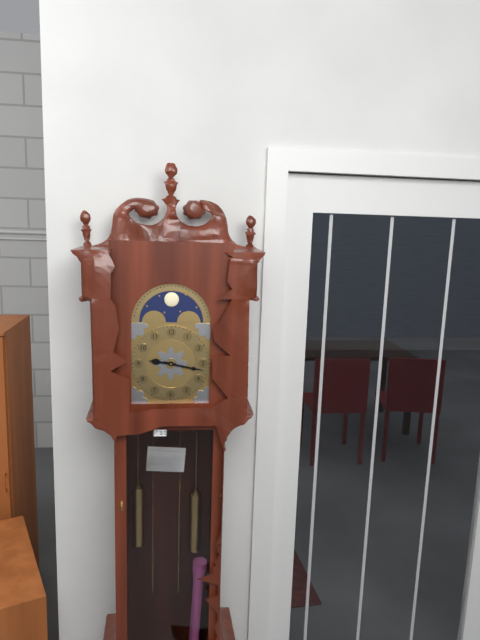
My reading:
9 h 17 min
